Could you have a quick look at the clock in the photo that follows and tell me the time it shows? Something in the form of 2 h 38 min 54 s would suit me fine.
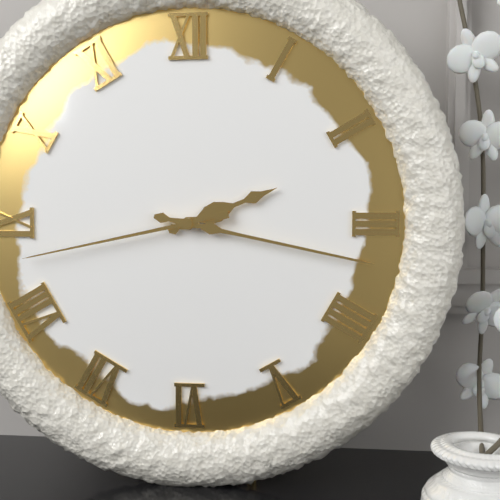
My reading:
2 h 17 min 43 s
